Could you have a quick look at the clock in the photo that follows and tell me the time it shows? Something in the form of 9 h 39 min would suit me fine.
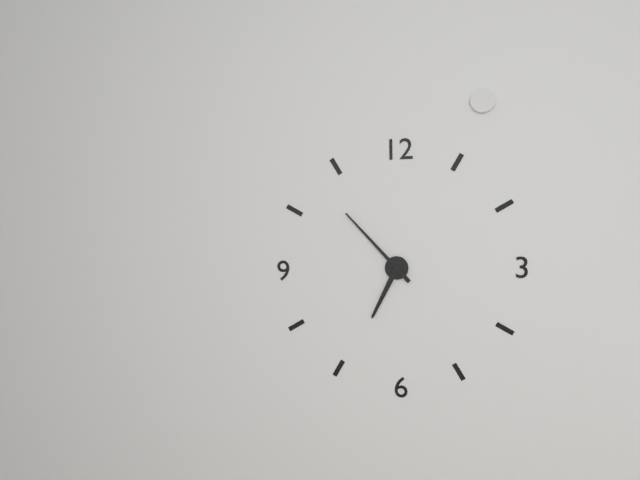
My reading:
6 h 53 min
